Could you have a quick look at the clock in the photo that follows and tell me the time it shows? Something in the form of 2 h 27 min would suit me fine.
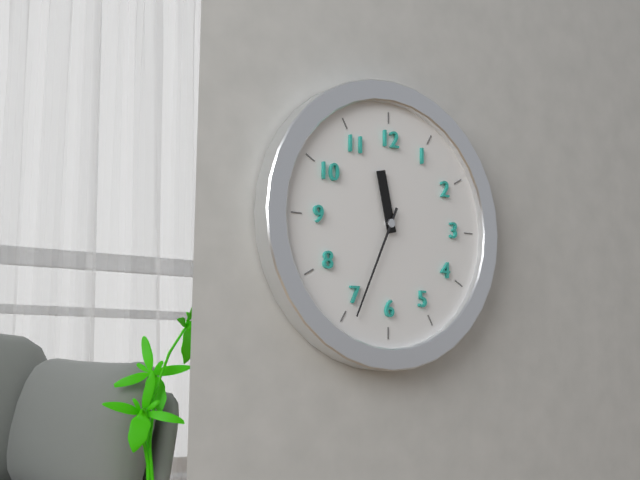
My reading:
11 h 34 min
